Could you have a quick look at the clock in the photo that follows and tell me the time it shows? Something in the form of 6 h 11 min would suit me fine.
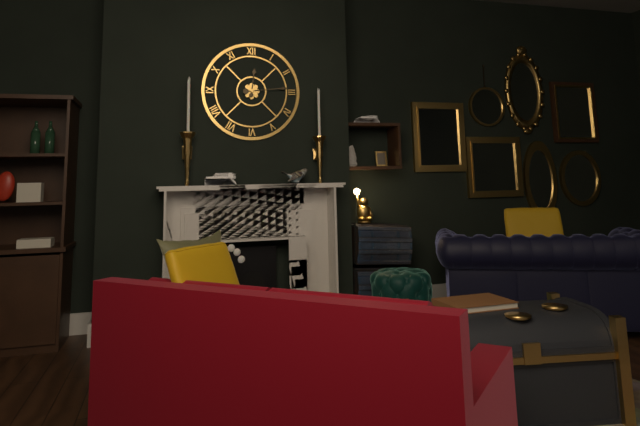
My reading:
12 h 14 min
